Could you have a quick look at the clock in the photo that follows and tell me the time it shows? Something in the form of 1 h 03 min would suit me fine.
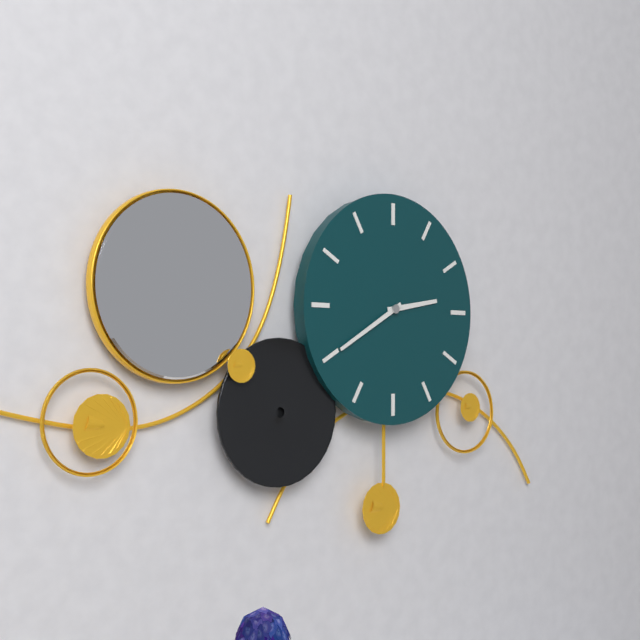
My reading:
2 h 40 min
